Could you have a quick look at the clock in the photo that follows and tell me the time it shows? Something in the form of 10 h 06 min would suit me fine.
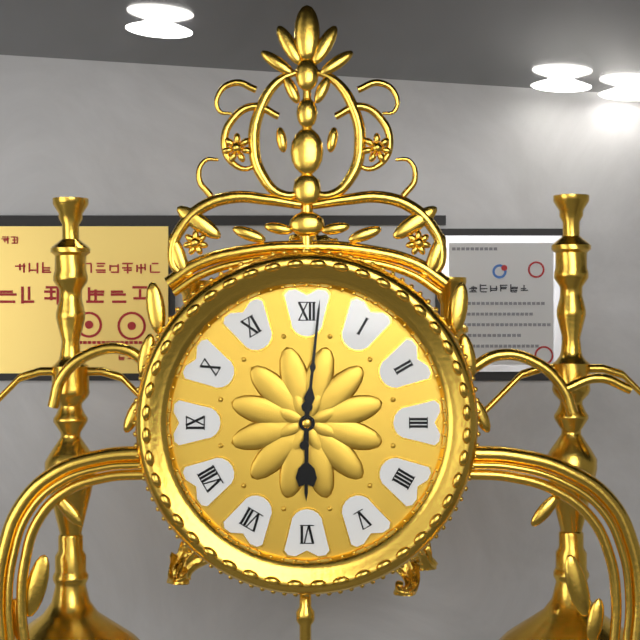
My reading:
6 h 01 min
